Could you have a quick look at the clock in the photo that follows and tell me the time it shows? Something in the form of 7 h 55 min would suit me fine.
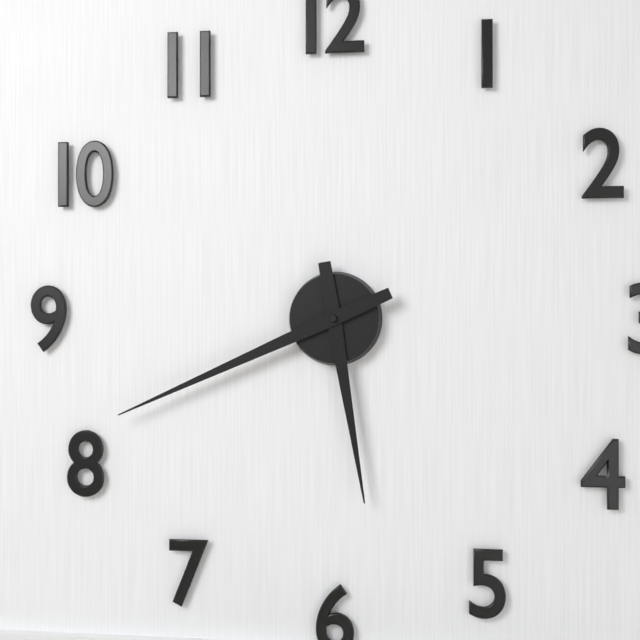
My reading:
5 h 41 min
